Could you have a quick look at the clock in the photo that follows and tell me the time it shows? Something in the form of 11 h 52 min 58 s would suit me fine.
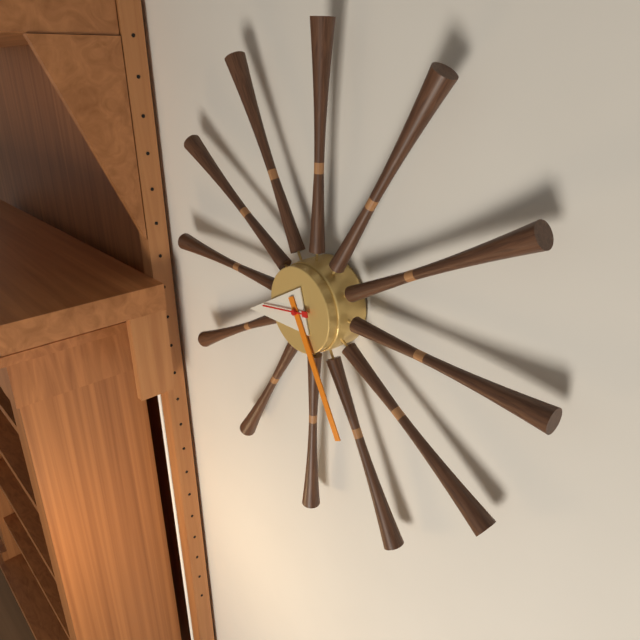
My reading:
8 h 25 min 43 s
